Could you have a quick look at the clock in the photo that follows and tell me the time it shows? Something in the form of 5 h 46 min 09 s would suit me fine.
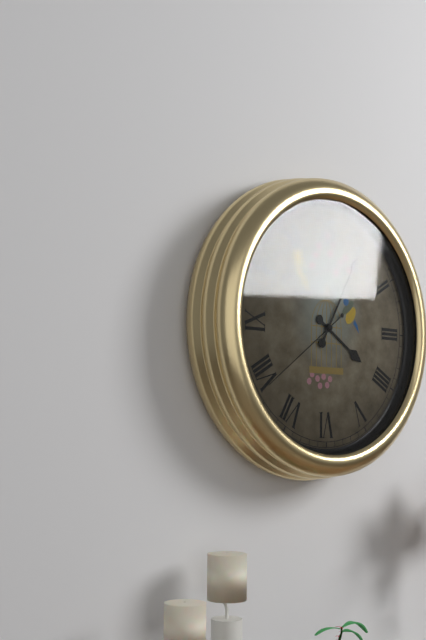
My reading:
4 h 05 min 39 s
